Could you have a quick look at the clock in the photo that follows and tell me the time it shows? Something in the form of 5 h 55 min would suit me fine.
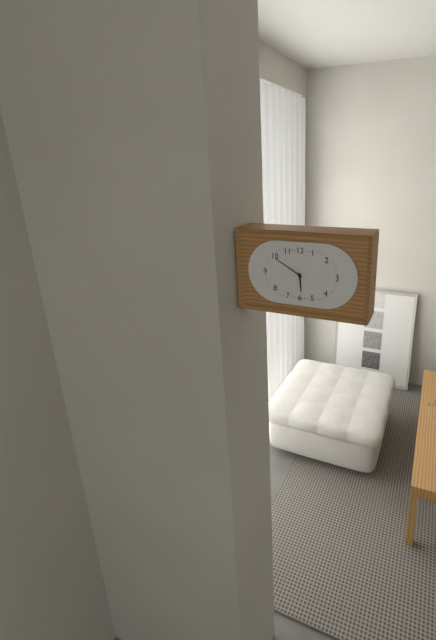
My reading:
5 h 50 min
